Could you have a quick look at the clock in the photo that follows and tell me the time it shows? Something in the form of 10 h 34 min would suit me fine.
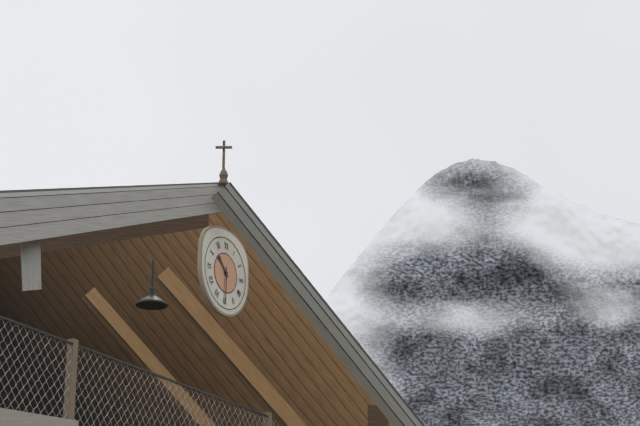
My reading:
10 h 30 min
